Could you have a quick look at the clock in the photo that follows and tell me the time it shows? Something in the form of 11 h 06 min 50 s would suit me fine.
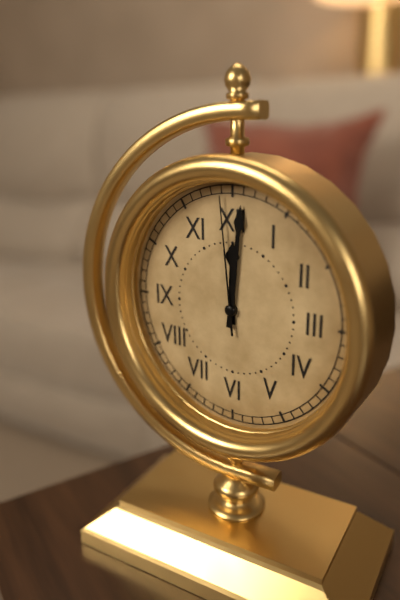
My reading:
12 h 01 min 59 s
